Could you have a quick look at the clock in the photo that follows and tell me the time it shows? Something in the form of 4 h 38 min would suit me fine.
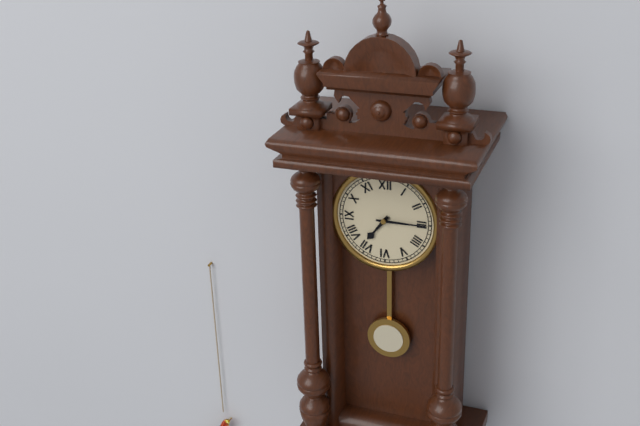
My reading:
7 h 15 min
